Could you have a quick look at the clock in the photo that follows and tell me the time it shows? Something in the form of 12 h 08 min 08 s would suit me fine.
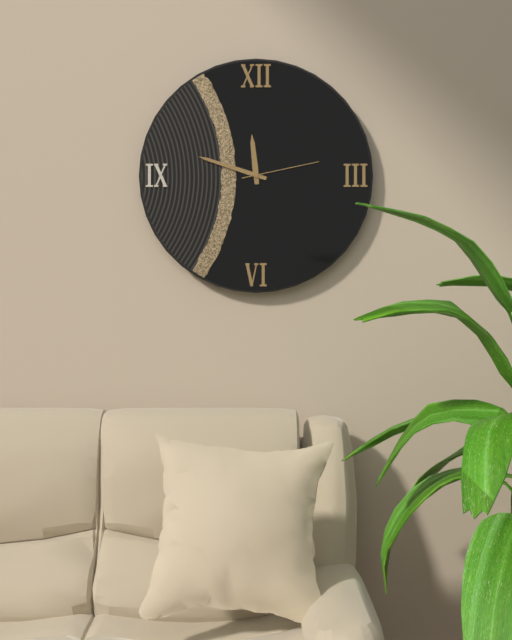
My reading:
11 h 48 min 13 s
